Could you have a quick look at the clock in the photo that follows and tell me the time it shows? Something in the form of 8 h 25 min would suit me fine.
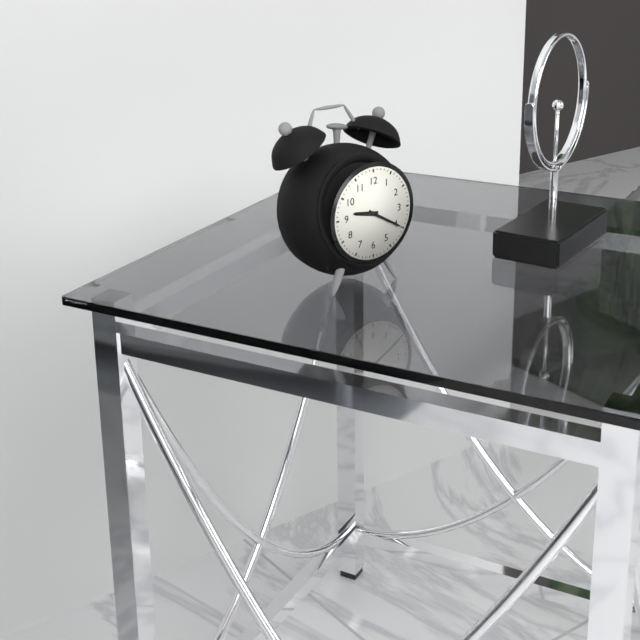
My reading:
9 h 20 min
